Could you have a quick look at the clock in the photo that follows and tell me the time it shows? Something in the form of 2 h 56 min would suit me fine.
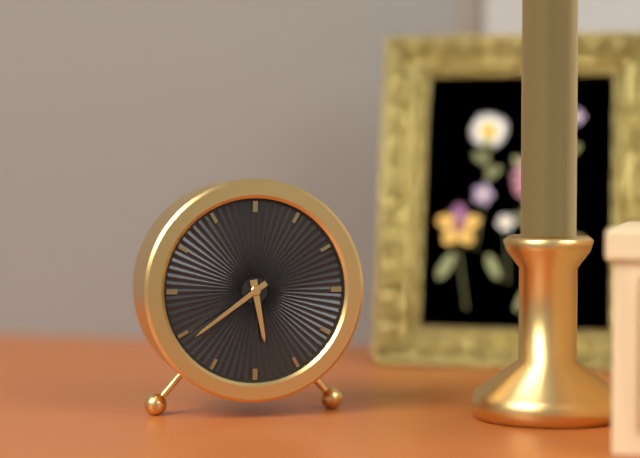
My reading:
5 h 39 min
